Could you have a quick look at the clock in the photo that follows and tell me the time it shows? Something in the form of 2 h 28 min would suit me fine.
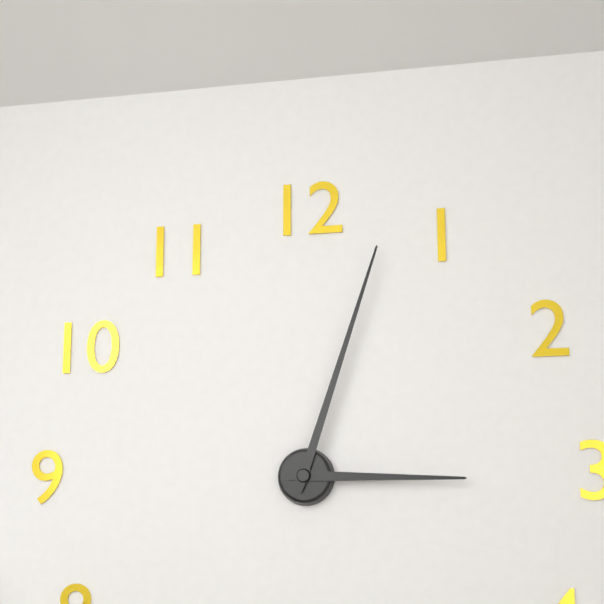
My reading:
3 h 03 min
